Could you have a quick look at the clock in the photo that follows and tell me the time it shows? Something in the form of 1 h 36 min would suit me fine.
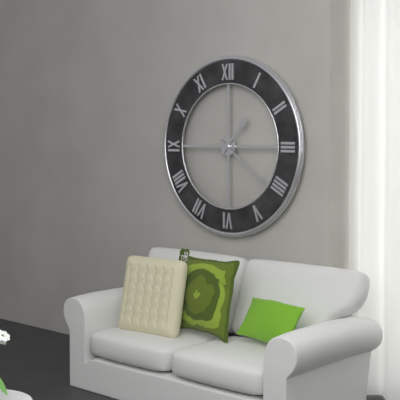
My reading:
1 h 21 min
